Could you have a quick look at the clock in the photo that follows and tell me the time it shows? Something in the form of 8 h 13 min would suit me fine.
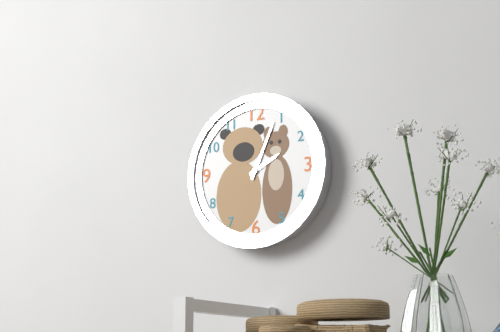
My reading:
2 h 04 min
